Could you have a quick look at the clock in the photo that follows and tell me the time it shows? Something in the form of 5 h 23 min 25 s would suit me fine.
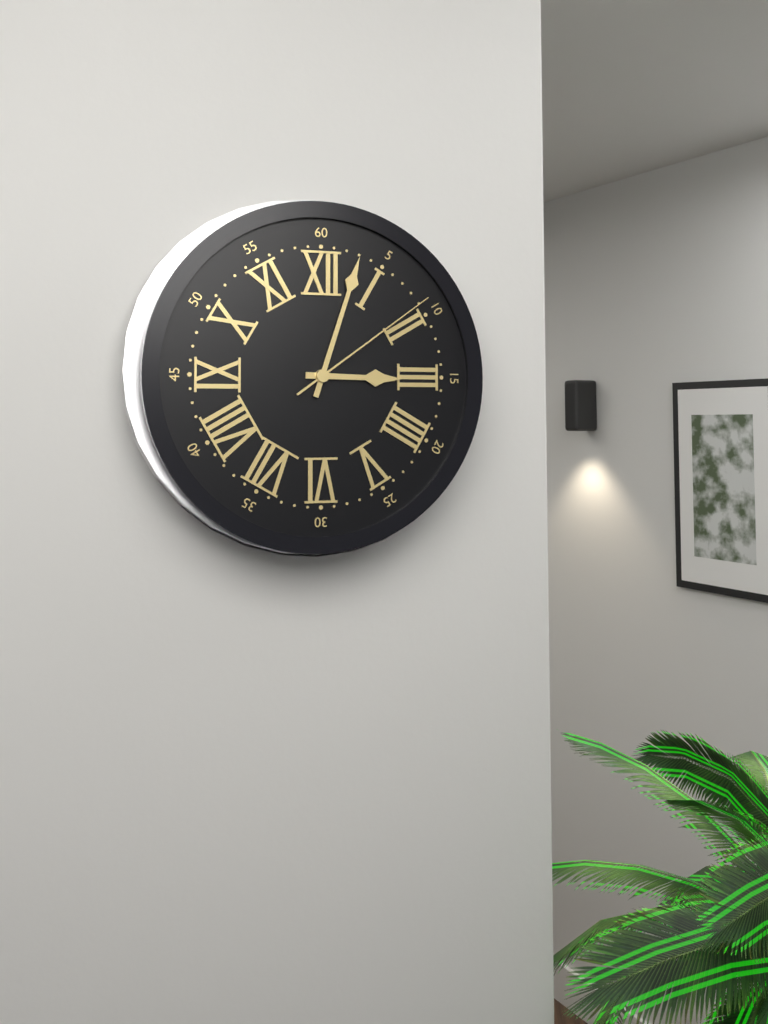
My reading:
3 h 03 min 09 s
